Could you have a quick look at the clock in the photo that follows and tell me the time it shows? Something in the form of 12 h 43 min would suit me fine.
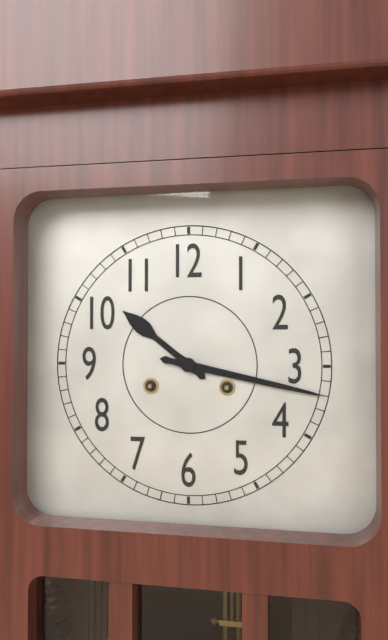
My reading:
10 h 17 min
